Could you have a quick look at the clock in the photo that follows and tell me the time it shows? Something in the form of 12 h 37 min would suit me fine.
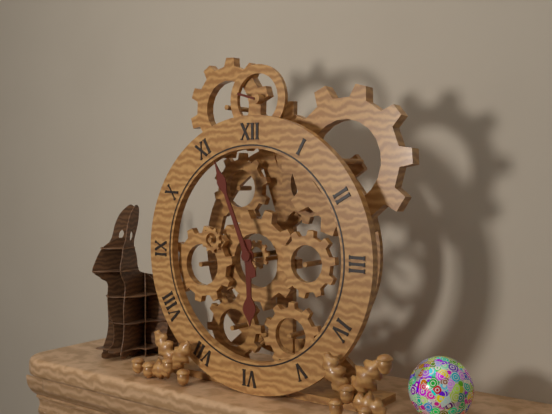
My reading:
5 h 56 min
